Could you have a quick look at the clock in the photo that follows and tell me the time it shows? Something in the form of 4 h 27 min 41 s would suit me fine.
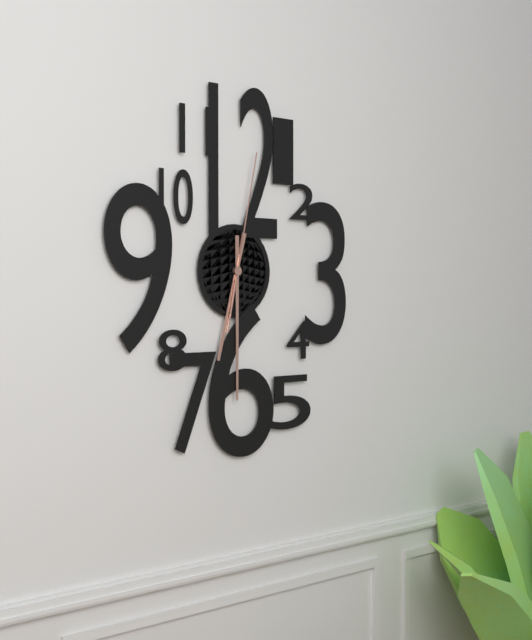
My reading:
6 h 30 min 02 s
